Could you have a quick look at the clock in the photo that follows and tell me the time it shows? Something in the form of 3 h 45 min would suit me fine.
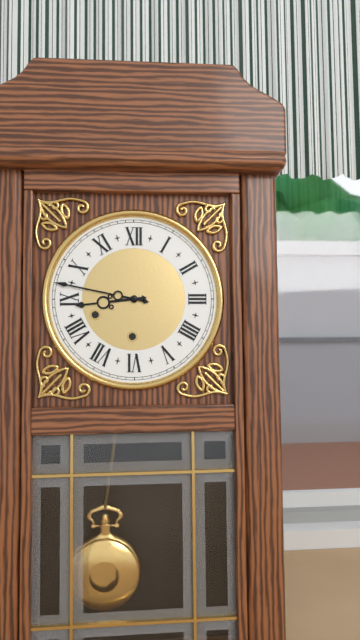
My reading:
8 h 47 min
